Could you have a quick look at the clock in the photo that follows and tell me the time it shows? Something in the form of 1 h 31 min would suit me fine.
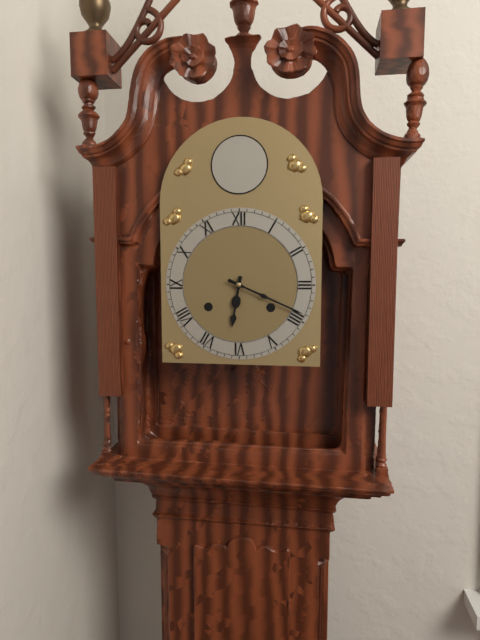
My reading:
6 h 19 min
